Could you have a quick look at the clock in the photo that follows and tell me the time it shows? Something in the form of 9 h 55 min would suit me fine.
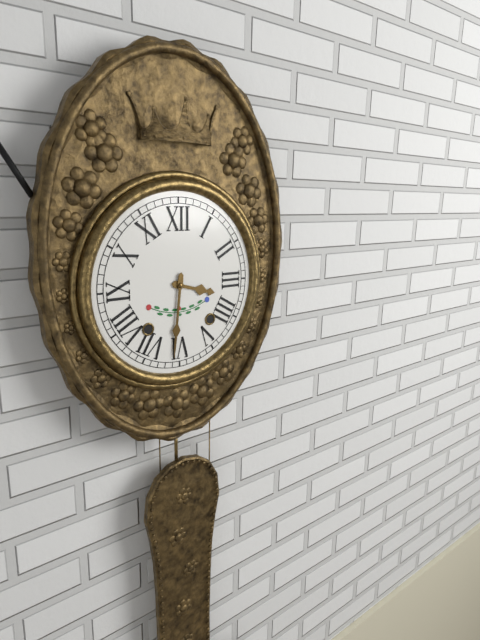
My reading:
3 h 31 min
